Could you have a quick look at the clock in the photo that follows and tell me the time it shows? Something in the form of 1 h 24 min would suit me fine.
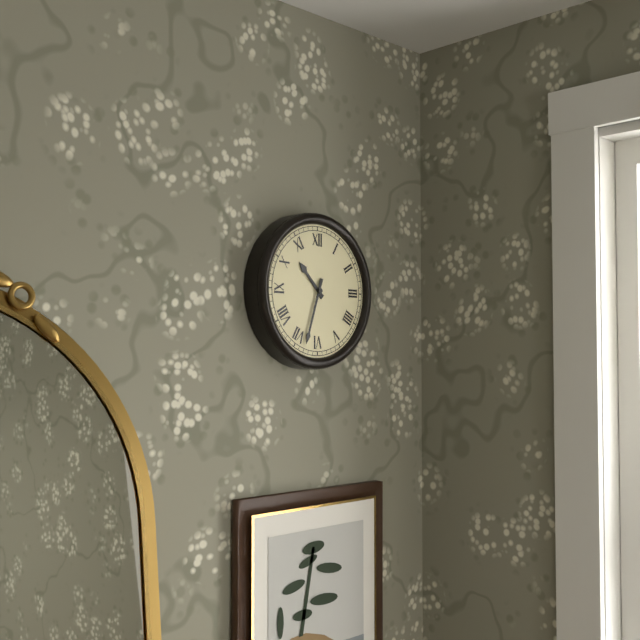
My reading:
10 h 33 min
